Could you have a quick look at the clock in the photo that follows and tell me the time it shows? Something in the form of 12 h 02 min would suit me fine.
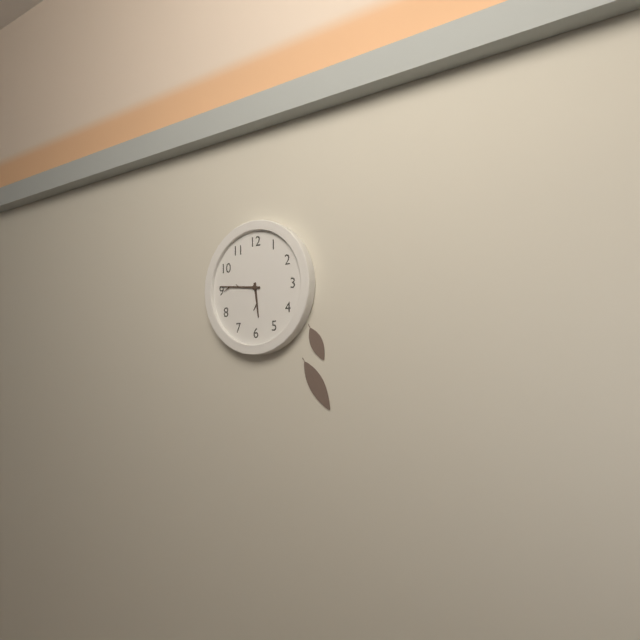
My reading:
5 h 46 min
